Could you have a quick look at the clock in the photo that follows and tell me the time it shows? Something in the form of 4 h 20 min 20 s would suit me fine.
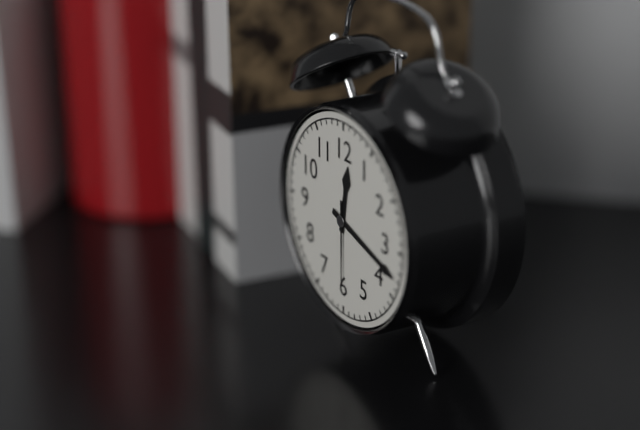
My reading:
12 h 18 min 30 s
